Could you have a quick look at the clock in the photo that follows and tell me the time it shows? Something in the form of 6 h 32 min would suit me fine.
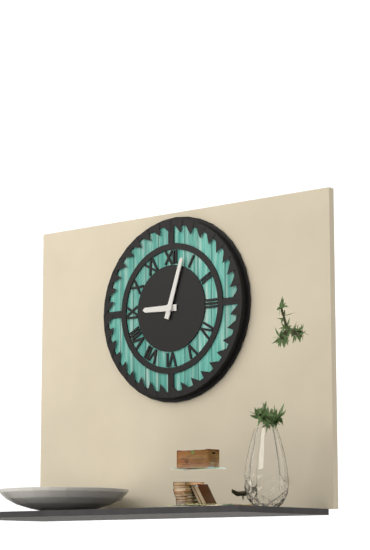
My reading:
9 h 03 min
